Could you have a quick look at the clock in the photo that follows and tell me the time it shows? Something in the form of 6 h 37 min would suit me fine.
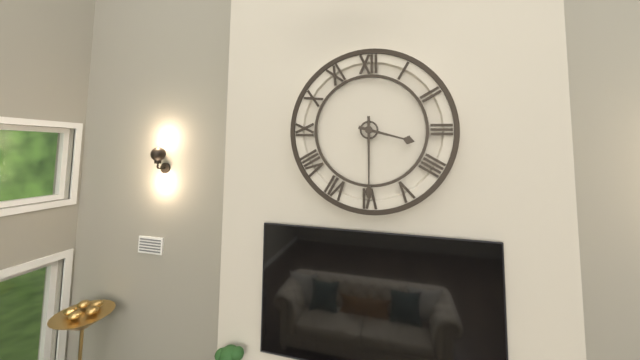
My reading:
3 h 30 min
